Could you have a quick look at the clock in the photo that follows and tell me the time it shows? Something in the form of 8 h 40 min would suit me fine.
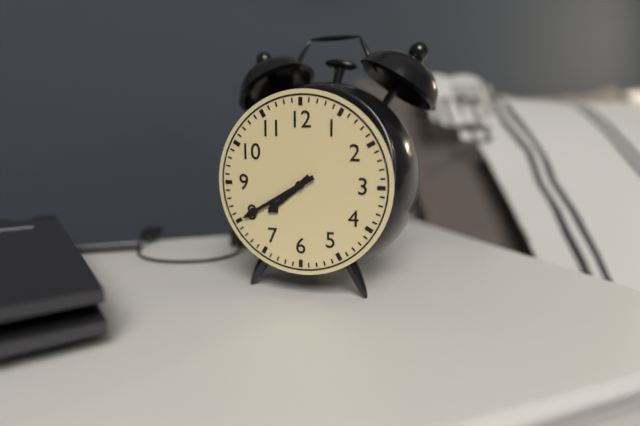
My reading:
7 h 40 min
